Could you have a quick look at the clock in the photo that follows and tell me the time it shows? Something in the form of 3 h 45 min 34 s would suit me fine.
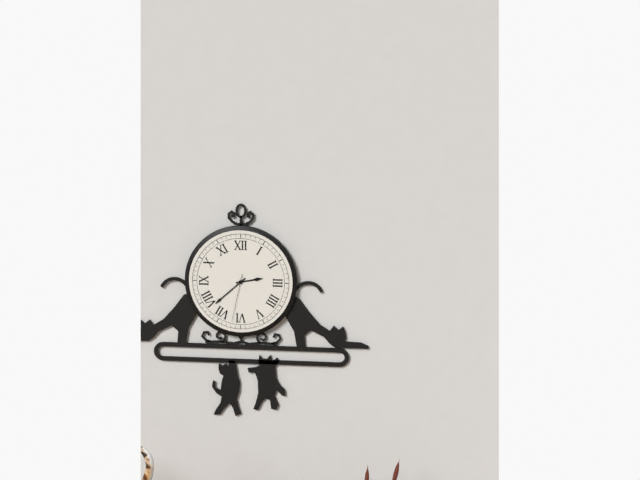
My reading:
2 h 38 min 32 s
